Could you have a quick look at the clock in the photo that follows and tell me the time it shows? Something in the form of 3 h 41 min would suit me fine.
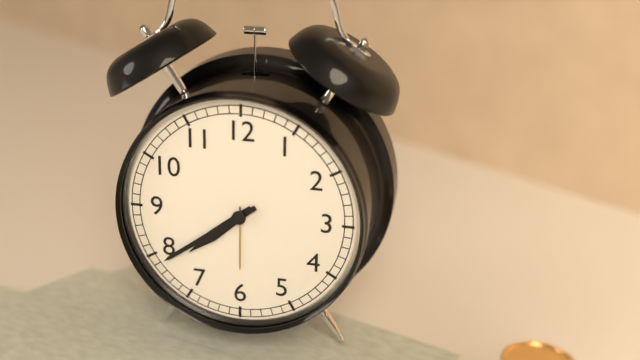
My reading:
7 h 39 min
